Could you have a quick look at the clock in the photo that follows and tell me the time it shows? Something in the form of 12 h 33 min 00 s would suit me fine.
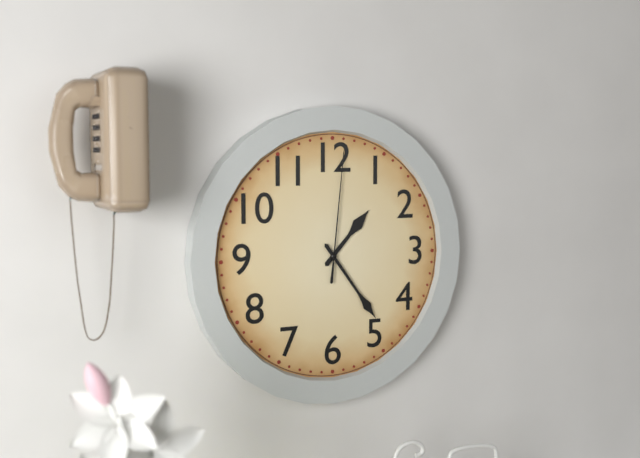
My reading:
1 h 24 min 01 s
